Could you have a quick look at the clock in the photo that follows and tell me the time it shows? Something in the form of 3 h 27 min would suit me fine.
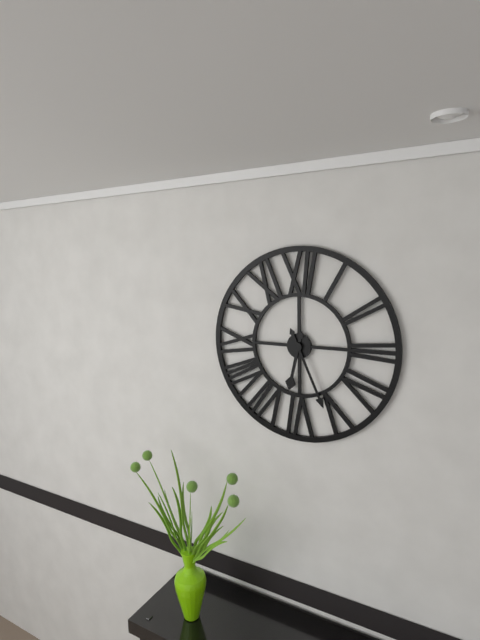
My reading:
6 h 26 min
